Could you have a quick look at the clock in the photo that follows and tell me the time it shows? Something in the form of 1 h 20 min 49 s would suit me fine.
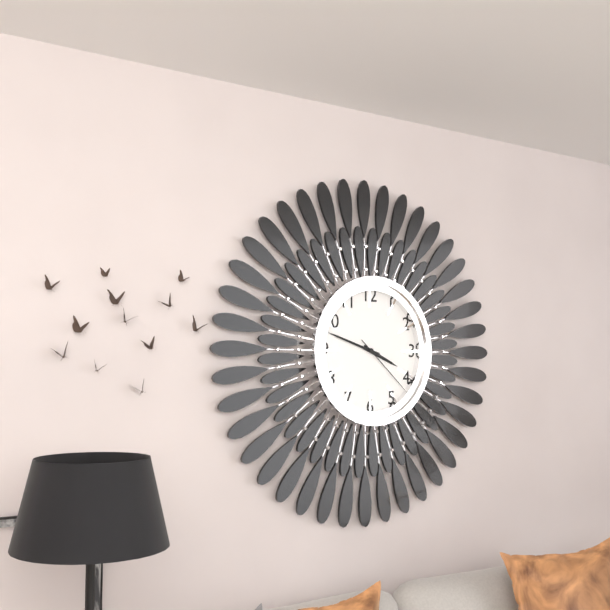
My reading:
3 h 48 min 22 s
